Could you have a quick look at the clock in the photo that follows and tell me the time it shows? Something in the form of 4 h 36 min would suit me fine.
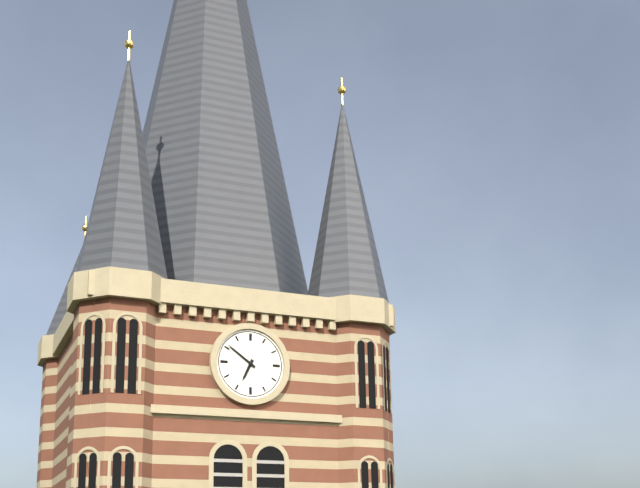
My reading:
6 h 51 min
